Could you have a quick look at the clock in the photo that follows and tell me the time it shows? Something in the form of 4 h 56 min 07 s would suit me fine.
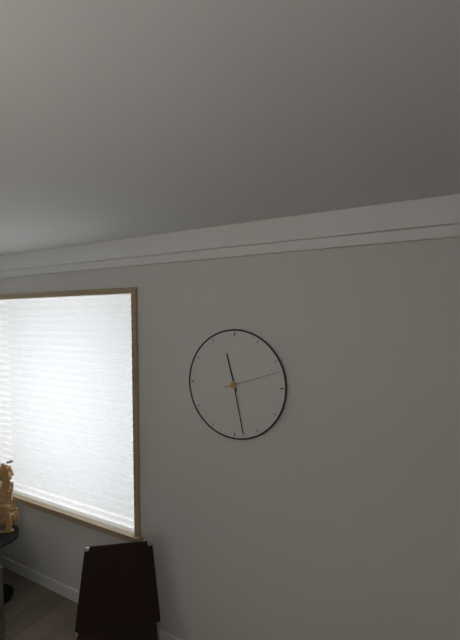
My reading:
11 h 28 min 12 s
